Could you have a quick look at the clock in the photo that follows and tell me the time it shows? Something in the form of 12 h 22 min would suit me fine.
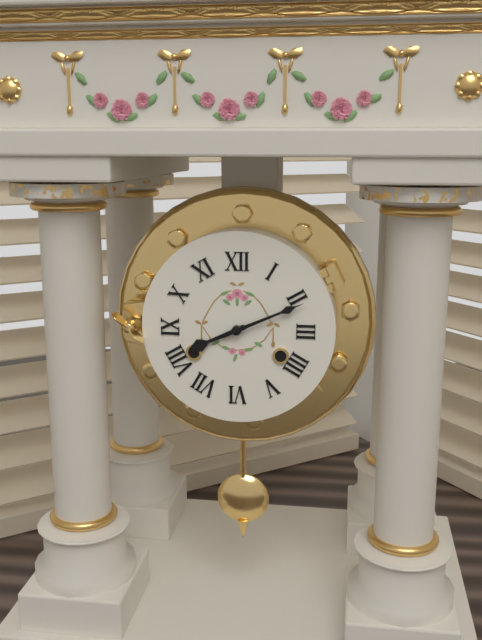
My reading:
8 h 11 min
